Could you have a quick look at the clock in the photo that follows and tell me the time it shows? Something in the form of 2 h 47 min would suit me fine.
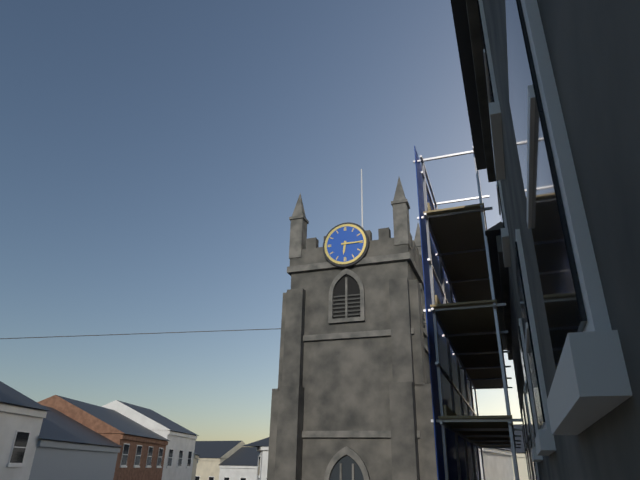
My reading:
6 h 15 min
